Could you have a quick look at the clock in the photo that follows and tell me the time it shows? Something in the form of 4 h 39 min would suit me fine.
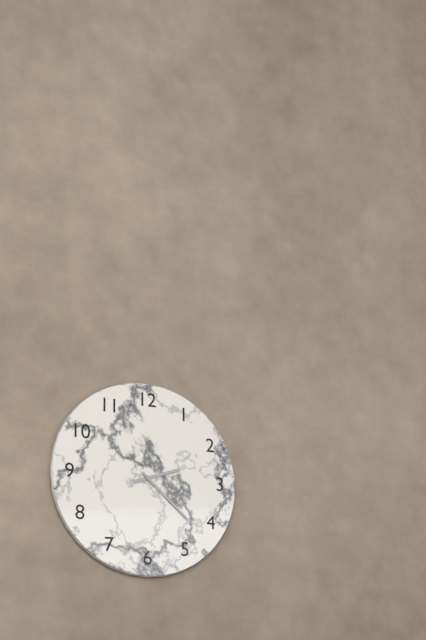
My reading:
2 h 22 min
